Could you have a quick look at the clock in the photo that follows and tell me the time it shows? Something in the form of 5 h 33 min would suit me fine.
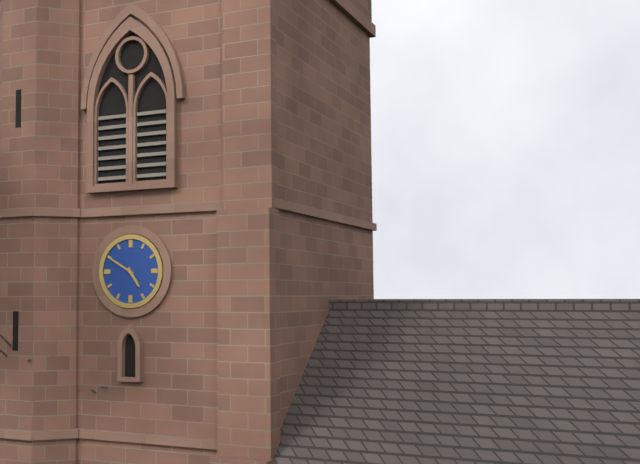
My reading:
4 h 50 min
